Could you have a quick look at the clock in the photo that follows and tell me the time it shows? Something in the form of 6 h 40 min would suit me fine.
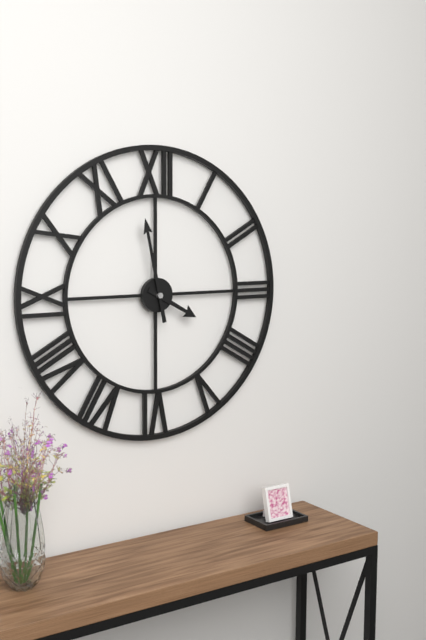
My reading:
3 h 58 min
